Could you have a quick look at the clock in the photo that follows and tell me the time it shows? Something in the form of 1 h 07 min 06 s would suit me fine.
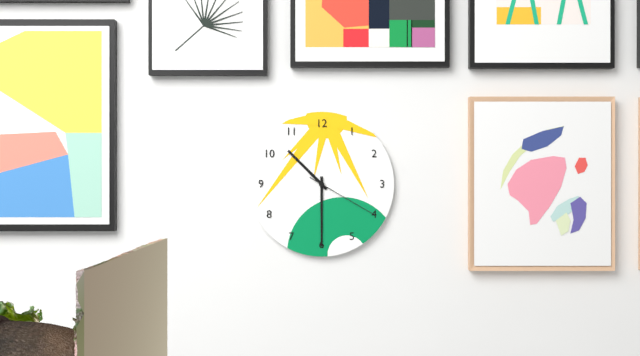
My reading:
10 h 30 min 20 s
